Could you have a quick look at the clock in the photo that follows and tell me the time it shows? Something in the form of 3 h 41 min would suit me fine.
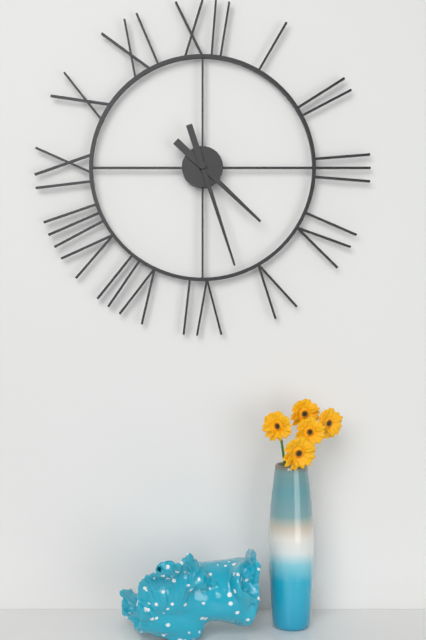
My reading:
4 h 27 min
